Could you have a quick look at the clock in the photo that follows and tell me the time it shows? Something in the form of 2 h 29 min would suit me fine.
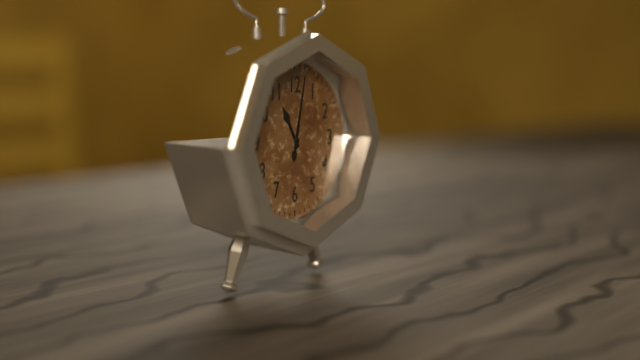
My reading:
11 h 02 min
